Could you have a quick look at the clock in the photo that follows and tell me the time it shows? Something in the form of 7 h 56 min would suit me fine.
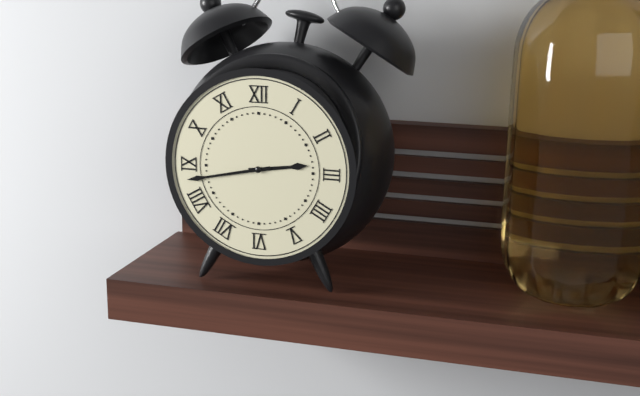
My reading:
2 h 43 min
